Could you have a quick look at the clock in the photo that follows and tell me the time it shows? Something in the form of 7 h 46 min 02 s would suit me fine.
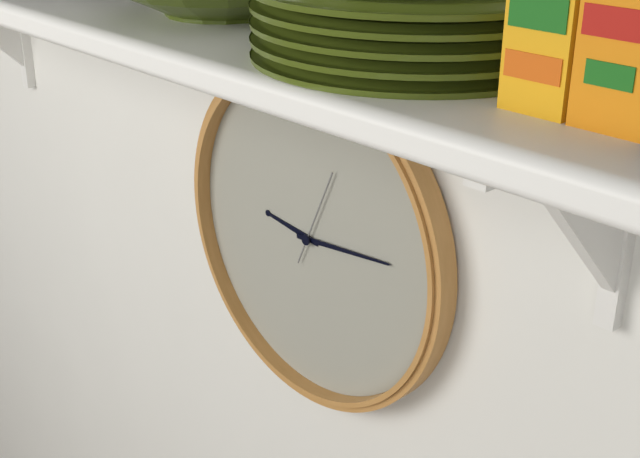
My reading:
9 h 14 min 04 s
